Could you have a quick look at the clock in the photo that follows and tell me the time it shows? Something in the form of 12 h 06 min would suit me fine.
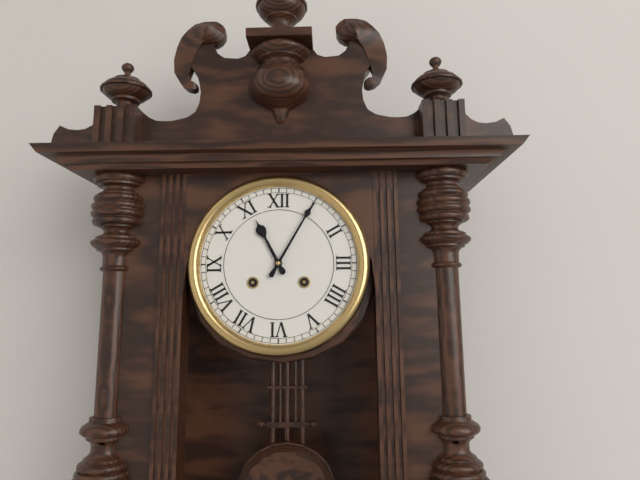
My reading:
11 h 05 min
